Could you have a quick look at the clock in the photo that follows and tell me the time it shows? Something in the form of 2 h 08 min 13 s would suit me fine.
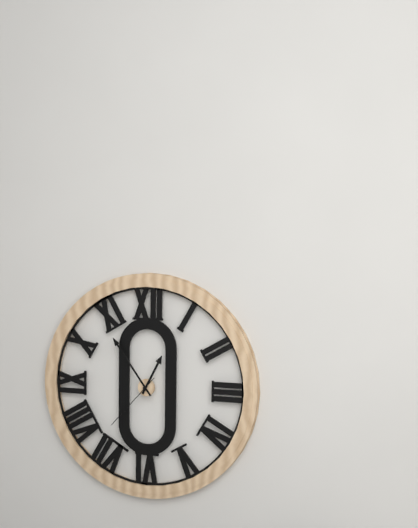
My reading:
12 h 54 min 37 s
